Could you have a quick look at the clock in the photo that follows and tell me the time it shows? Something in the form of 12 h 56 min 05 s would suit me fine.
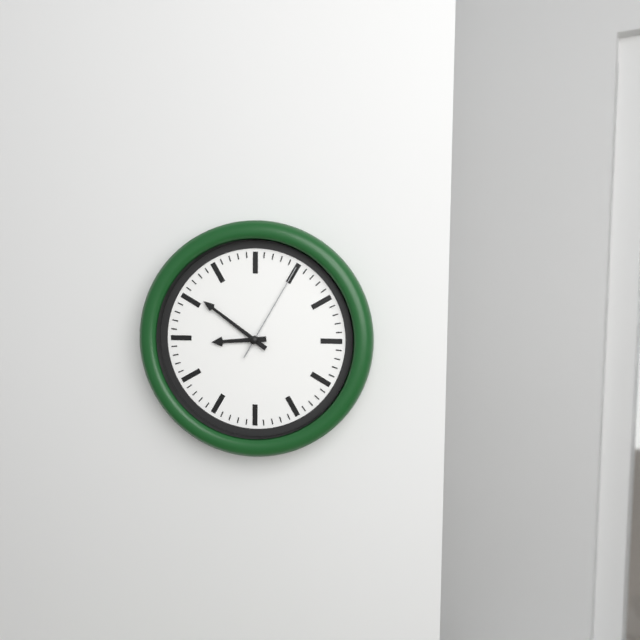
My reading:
8 h 51 min 05 s
